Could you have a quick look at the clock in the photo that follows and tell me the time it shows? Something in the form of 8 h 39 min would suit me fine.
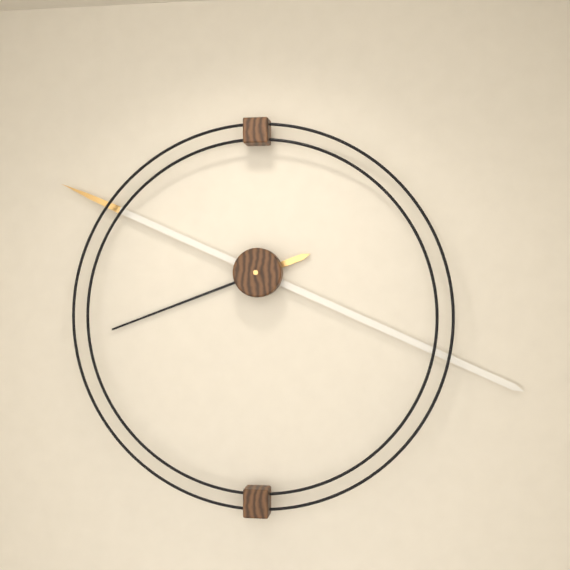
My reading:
8 h 19 min
